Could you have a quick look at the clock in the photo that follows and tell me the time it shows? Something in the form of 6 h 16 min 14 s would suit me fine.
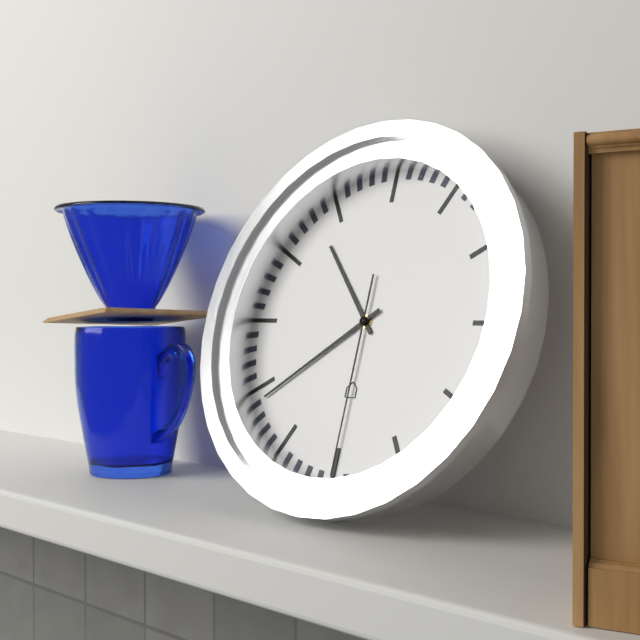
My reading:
10 h 39 min 30 s
